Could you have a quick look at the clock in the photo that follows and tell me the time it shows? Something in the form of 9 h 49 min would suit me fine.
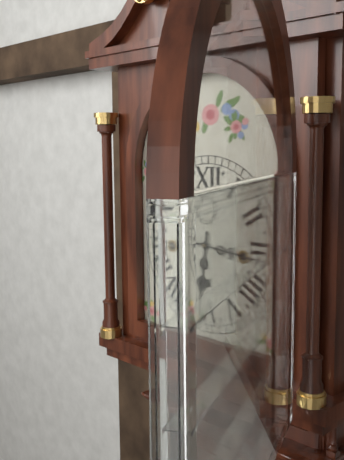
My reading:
6 h 16 min
